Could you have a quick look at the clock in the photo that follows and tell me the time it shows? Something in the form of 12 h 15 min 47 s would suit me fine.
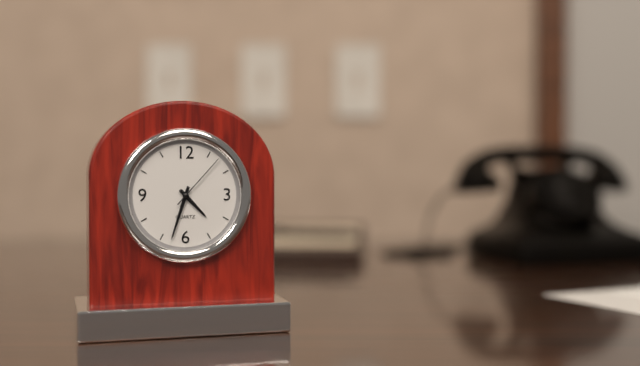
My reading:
4 h 33 min 07 s
